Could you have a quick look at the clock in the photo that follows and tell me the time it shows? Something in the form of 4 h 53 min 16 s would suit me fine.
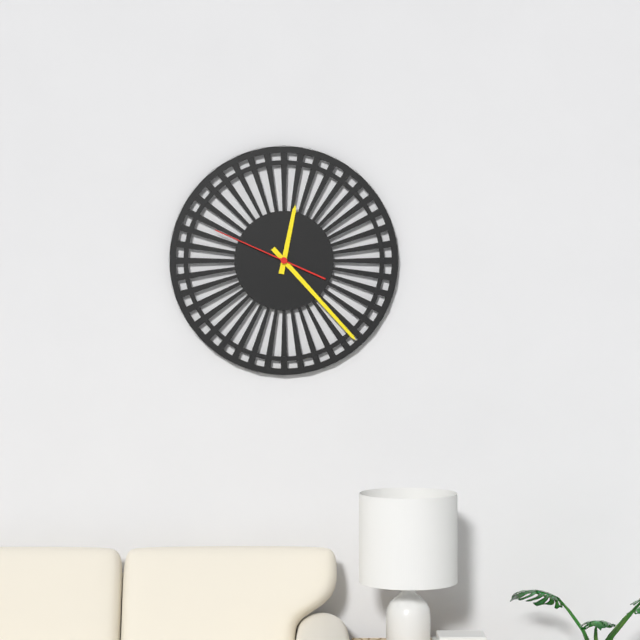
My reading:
12 h 23 min 49 s
